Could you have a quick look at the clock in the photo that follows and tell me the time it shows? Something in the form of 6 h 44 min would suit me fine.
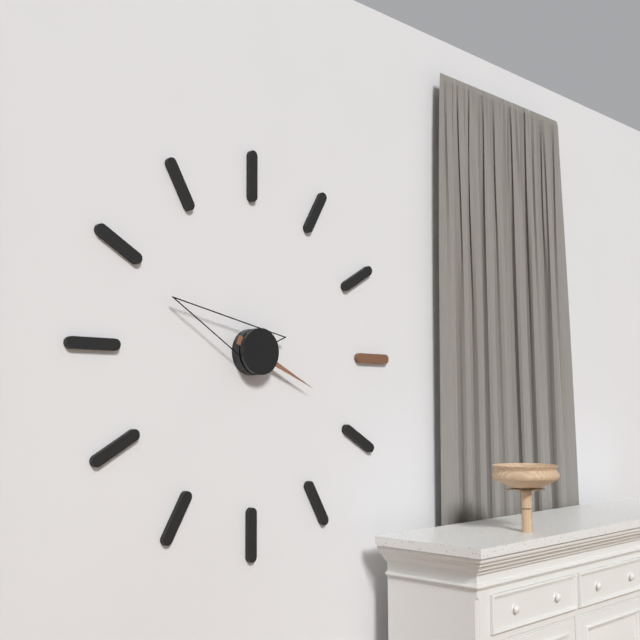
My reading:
3 h 49 min
